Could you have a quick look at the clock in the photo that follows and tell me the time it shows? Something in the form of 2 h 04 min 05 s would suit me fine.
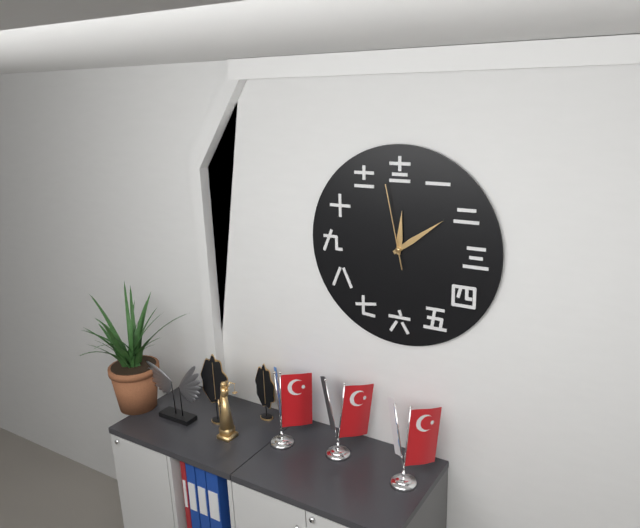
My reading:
12 h 09 min 58 s
